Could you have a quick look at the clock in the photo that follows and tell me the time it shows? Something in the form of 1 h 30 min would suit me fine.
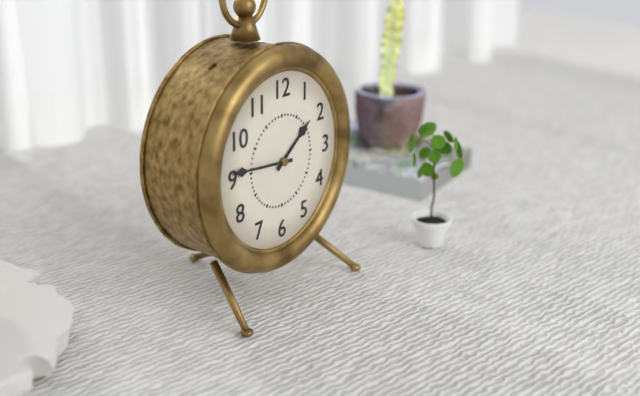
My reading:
1 h 46 min
